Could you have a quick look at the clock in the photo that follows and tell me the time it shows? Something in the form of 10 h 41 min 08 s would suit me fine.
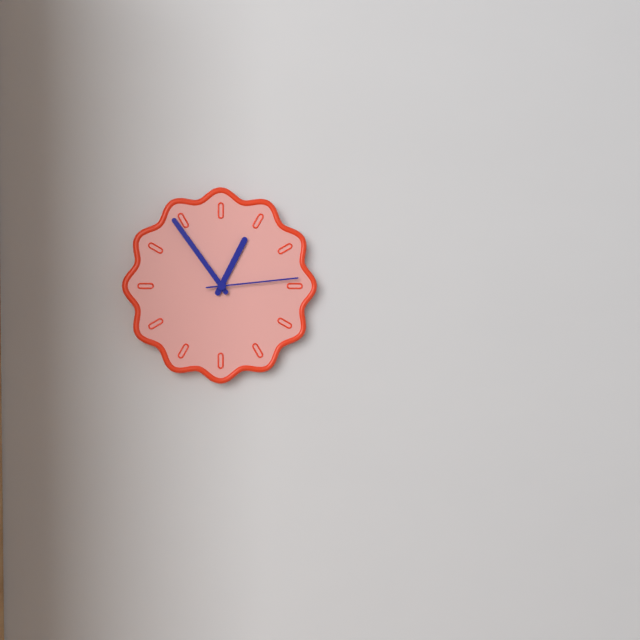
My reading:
12 h 54 min 14 s
